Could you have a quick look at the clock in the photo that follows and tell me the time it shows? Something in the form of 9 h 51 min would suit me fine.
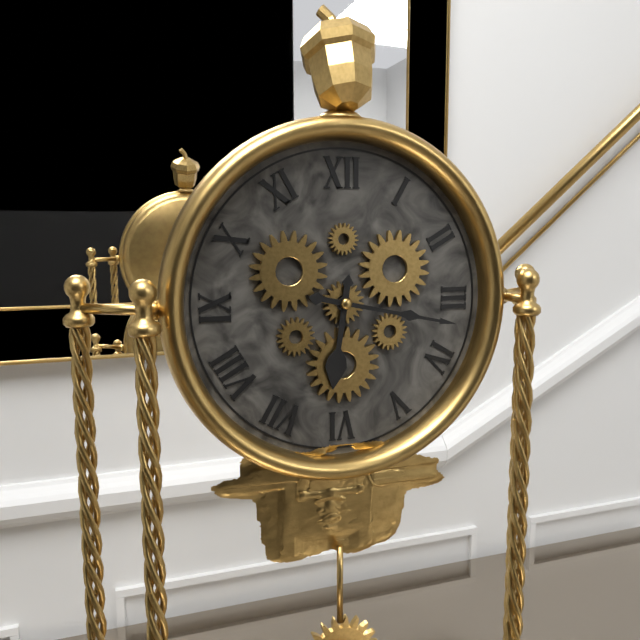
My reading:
6 h 17 min
